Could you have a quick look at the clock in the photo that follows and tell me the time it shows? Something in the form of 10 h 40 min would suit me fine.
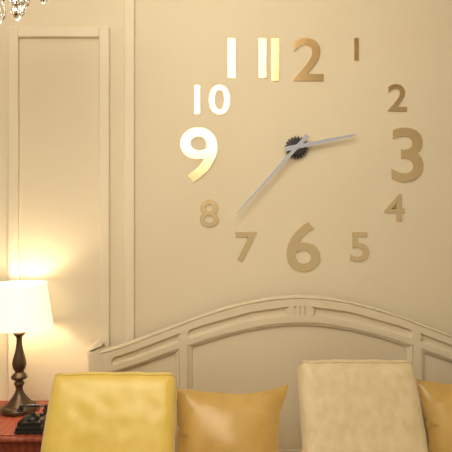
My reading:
2 h 37 min
